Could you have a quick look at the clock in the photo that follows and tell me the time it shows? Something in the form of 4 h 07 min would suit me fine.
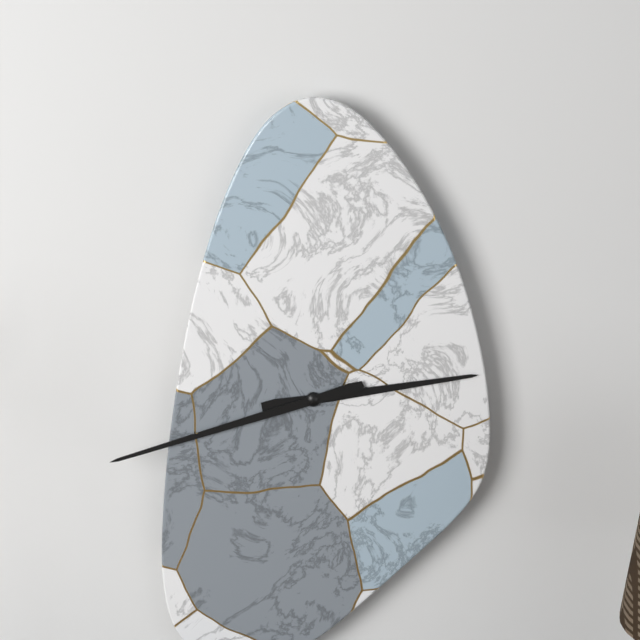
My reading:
2 h 42 min
